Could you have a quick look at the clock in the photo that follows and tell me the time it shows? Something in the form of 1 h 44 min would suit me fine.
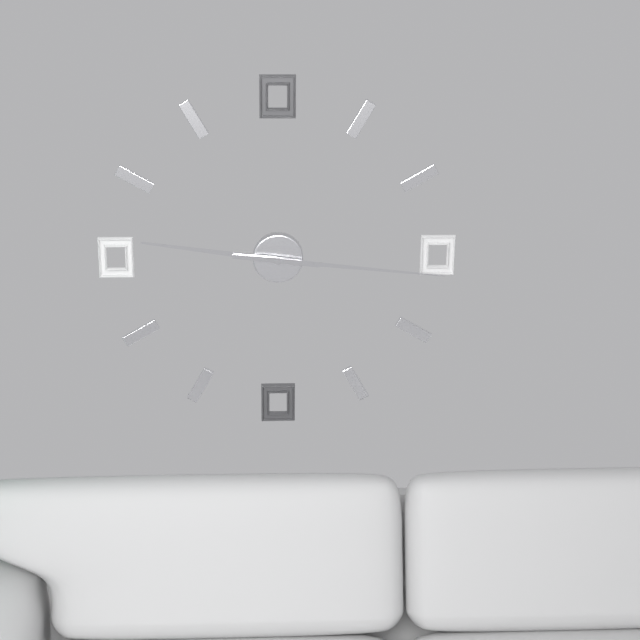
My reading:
9 h 16 min
